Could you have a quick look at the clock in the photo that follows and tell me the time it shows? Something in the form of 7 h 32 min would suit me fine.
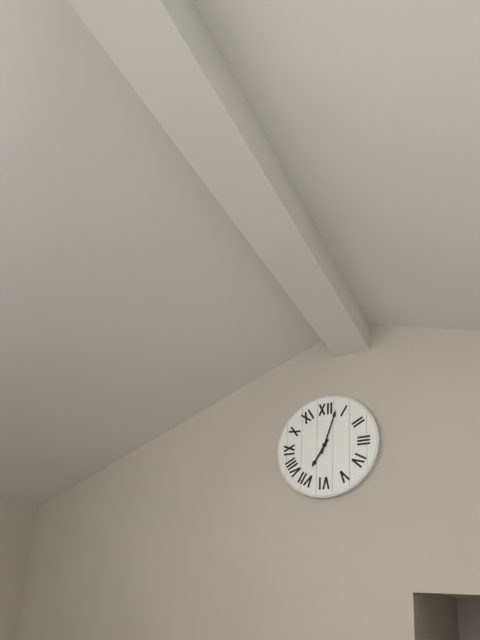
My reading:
7 h 03 min
